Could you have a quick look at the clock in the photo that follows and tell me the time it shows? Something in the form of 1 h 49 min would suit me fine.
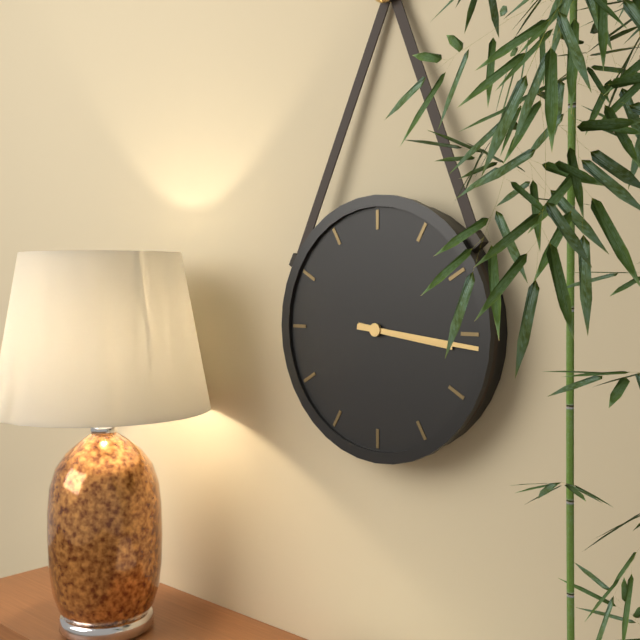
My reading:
3 h 16 min
